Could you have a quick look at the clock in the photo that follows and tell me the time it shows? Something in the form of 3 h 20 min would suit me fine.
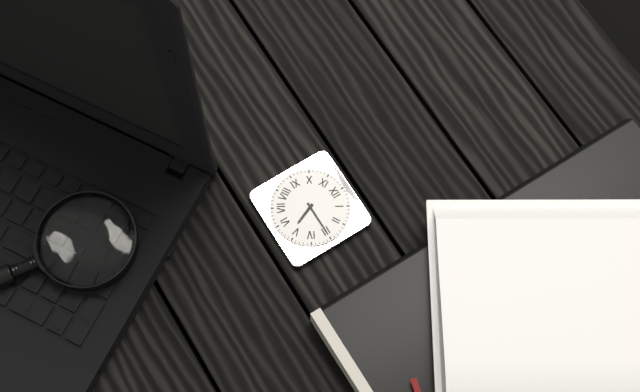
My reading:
5 h 15 min
